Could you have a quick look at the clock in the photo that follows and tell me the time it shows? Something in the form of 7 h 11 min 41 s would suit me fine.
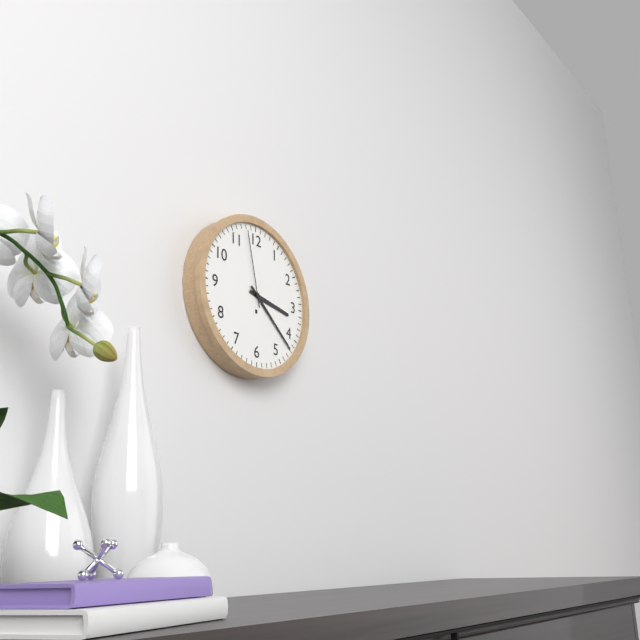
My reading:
3 h 22 min 58 s
